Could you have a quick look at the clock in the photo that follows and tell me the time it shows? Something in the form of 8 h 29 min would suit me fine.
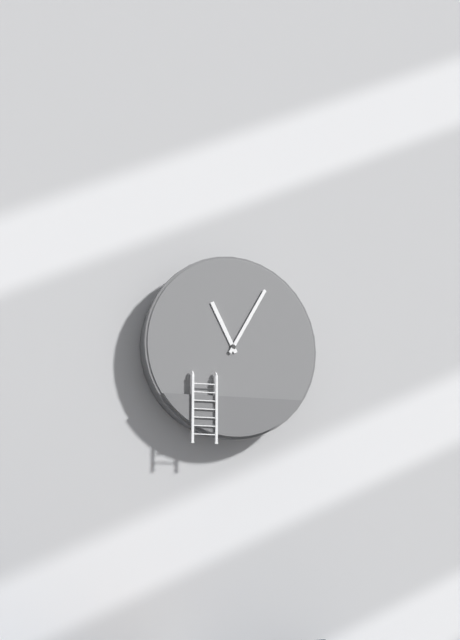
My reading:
11 h 05 min
